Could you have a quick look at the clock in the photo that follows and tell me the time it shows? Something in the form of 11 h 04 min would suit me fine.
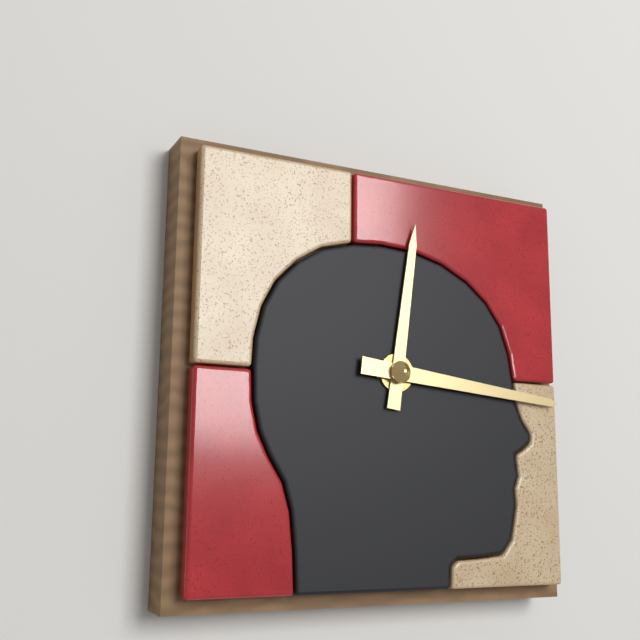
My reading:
12 h 16 min
